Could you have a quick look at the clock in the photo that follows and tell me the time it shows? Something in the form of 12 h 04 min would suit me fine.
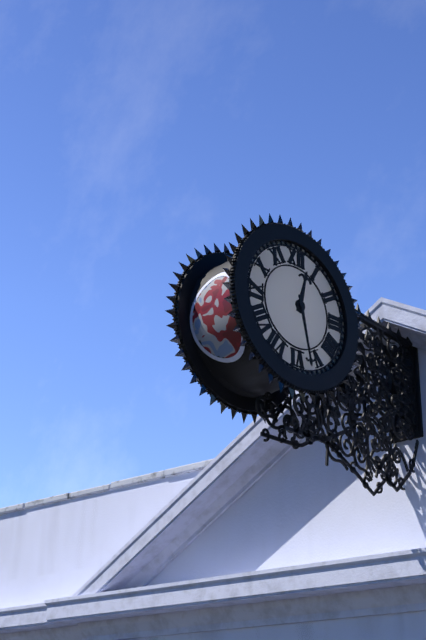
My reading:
12 h 28 min
